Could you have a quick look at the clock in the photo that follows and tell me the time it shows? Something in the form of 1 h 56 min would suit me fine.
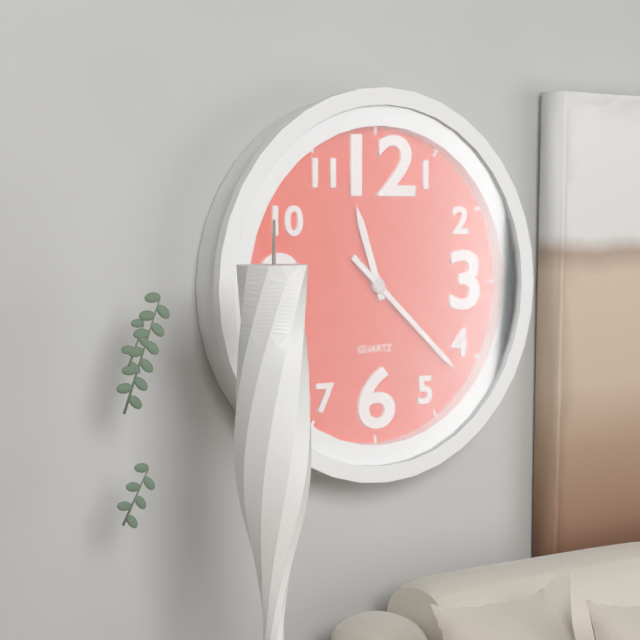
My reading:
11 h 22 min
